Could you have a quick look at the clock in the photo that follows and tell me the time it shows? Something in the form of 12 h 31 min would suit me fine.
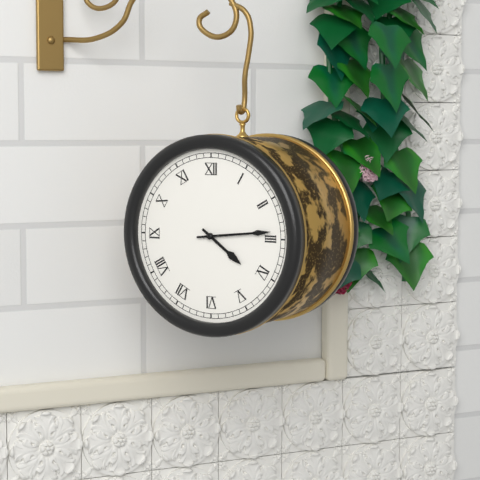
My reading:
4 h 14 min
